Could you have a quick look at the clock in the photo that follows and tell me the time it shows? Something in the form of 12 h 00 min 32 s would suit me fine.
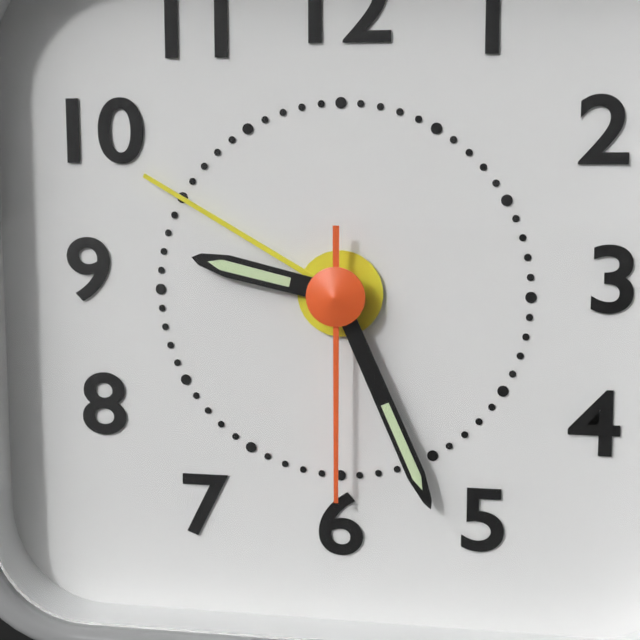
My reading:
9 h 26 min 30 s
